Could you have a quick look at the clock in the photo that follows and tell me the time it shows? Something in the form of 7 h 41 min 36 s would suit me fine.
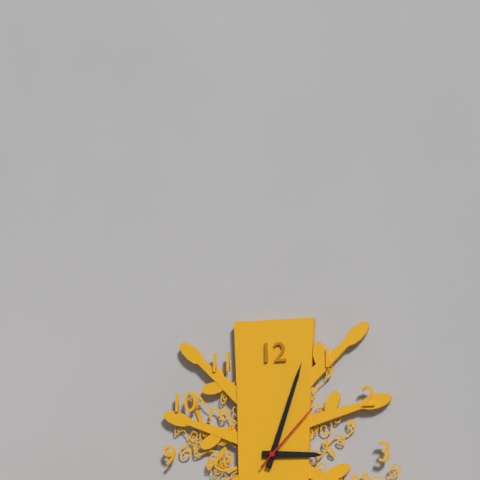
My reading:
3 h 03 min 07 s
